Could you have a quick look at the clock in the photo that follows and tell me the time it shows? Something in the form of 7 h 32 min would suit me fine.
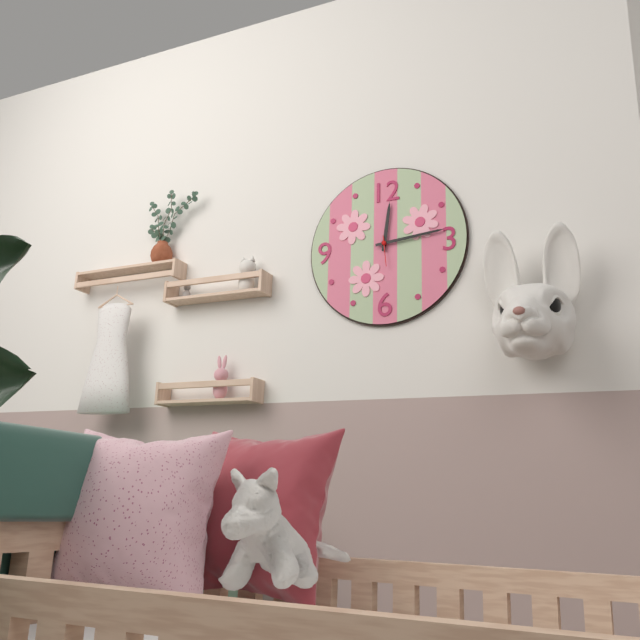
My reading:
12 h 14 min
